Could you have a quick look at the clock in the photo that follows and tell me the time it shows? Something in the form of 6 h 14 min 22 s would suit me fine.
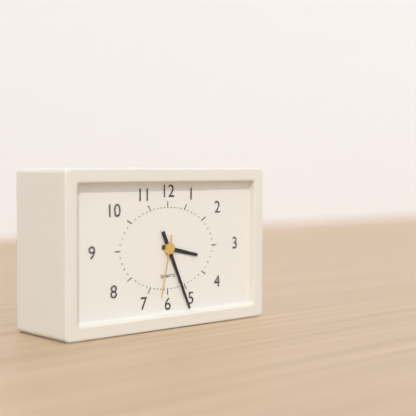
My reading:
3 h 26 min 32 s
